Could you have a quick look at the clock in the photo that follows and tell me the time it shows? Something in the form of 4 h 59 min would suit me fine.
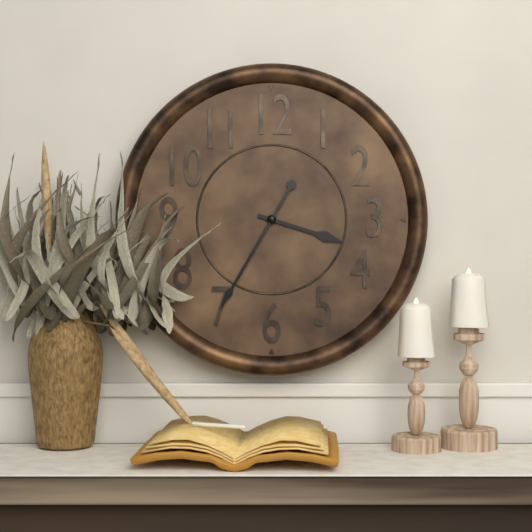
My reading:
3 h 35 min
